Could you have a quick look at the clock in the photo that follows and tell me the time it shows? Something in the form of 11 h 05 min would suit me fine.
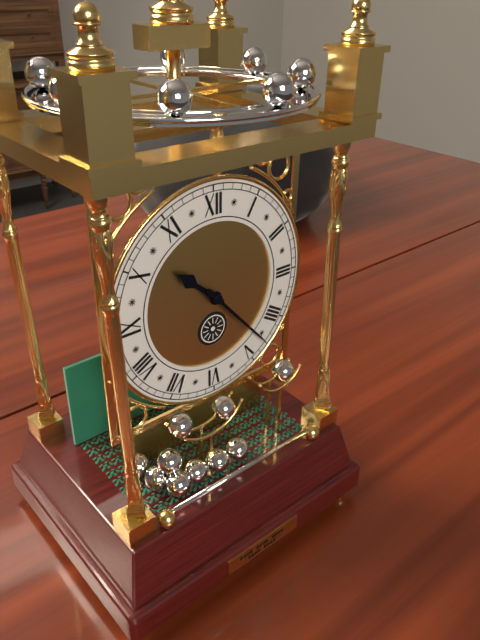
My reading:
10 h 23 min
